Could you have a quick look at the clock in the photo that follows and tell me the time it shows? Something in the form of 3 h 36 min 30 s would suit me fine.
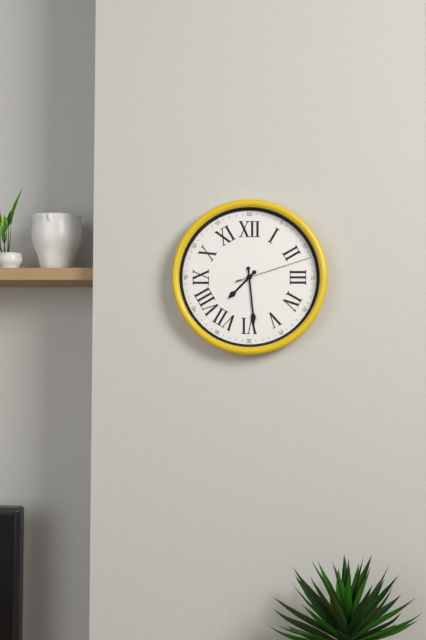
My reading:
7 h 29 min 12 s
